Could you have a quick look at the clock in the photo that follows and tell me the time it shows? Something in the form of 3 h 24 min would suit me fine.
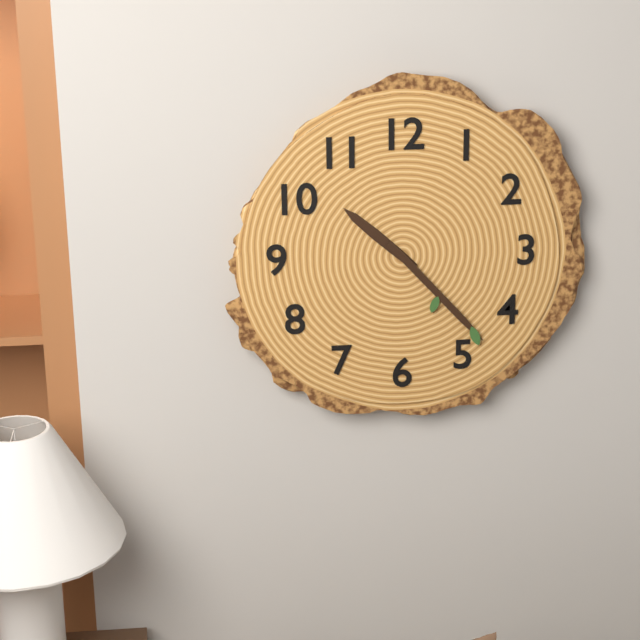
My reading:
10 h 23 min
